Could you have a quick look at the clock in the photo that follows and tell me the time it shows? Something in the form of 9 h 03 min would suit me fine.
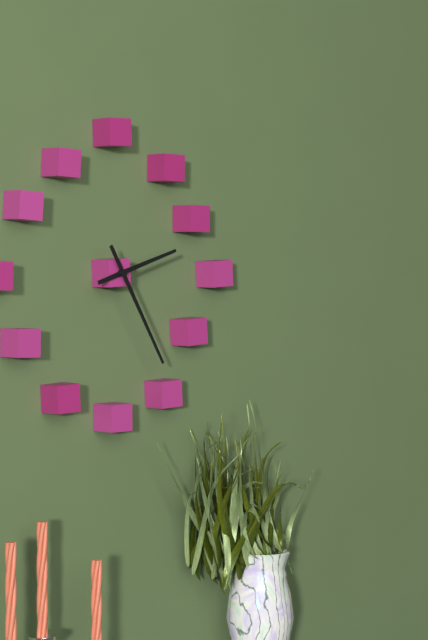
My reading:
2 h 25 min
